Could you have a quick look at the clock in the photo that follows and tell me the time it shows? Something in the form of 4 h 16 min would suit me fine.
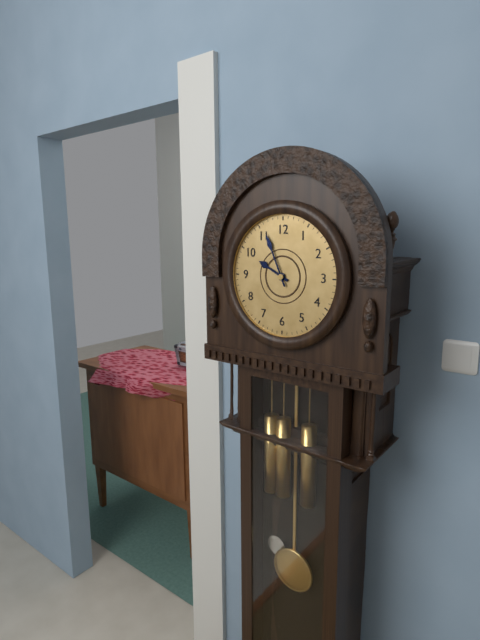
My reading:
9 h 56 min
